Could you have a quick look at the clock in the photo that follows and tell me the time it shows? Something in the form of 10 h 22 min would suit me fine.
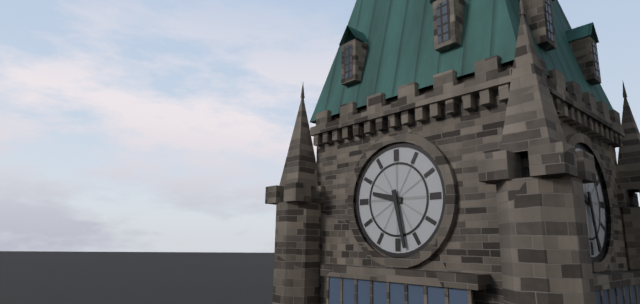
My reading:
9 h 28 min
